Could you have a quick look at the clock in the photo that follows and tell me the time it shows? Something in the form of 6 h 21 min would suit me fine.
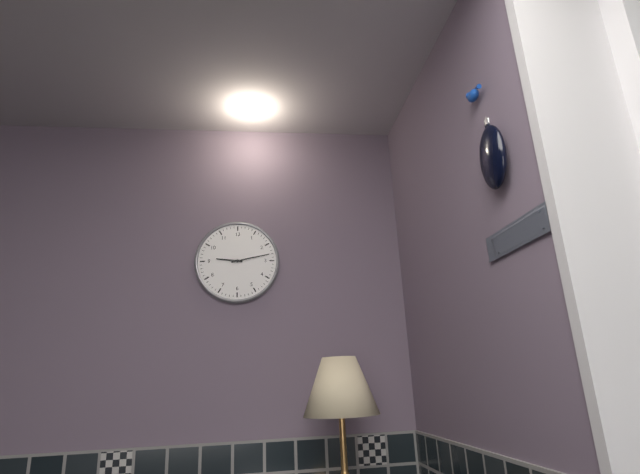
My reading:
9 h 13 min
